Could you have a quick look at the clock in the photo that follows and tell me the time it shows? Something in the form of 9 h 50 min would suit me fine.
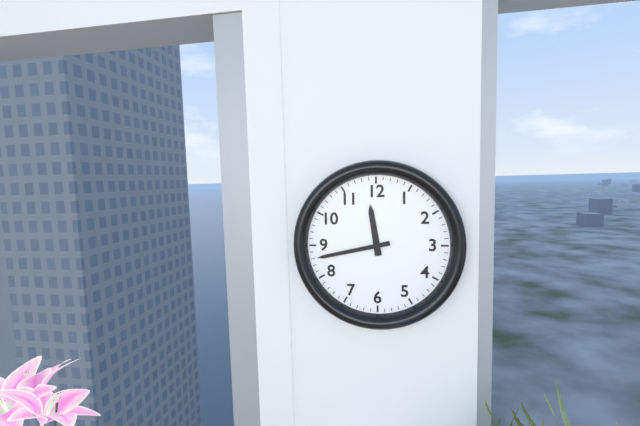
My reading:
11 h 43 min
